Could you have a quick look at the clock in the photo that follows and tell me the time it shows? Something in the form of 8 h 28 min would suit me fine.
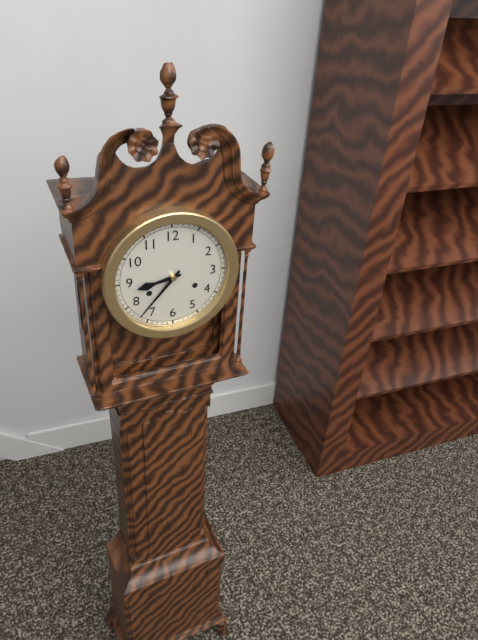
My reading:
8 h 37 min
